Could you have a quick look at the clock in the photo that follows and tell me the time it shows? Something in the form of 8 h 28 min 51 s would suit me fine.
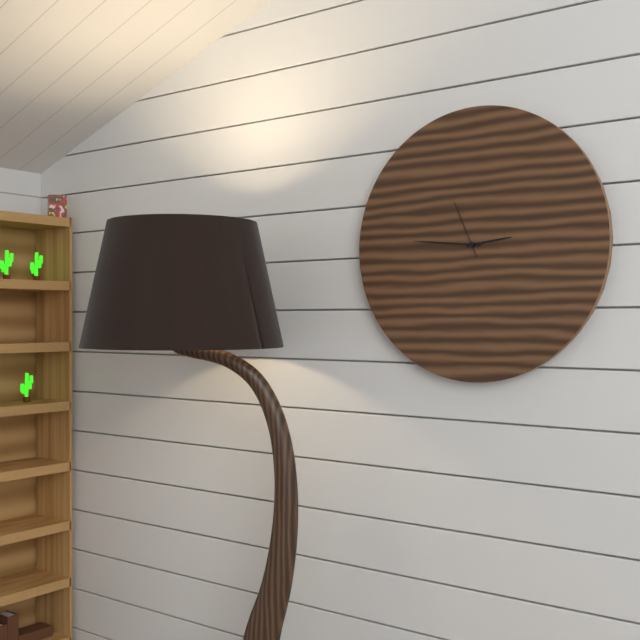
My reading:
2 h 46 min 56 s
